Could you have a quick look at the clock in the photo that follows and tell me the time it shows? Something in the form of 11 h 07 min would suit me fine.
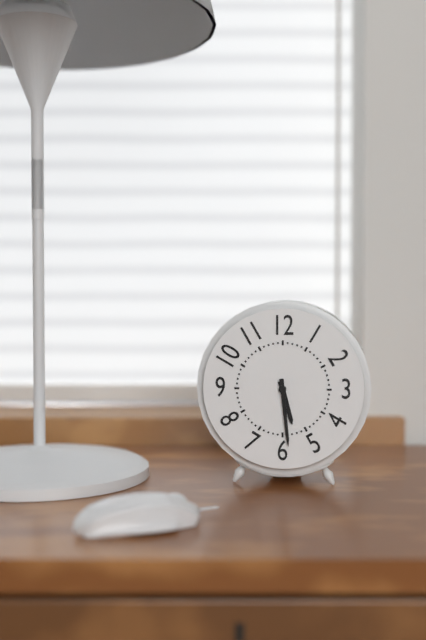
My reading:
5 h 29 min
